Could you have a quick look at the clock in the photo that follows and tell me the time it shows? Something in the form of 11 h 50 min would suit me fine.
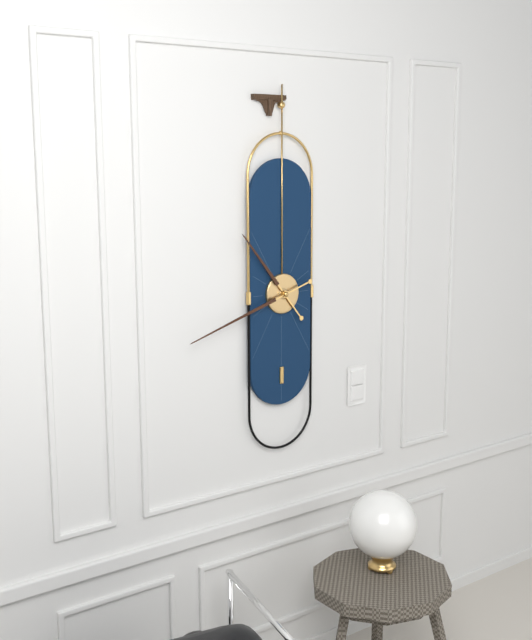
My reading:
10 h 42 min
